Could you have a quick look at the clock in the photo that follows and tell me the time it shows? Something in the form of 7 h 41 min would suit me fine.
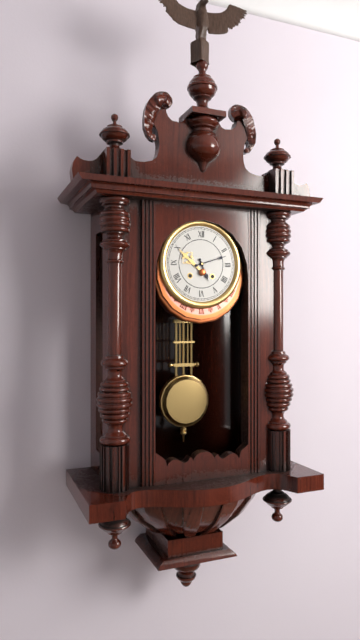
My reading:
5 h 12 min
